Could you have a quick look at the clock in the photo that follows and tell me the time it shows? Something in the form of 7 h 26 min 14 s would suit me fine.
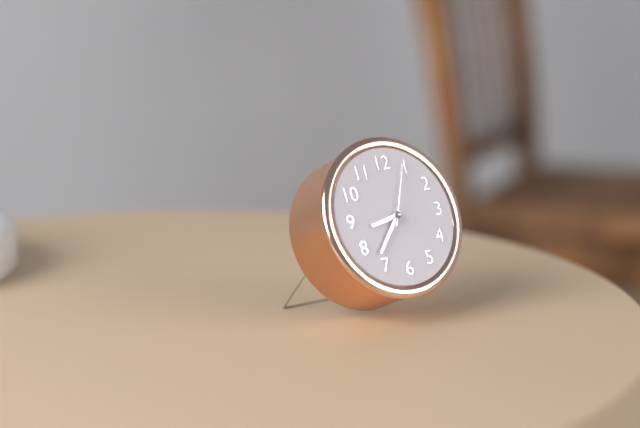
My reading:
8 h 37 min 04 s
